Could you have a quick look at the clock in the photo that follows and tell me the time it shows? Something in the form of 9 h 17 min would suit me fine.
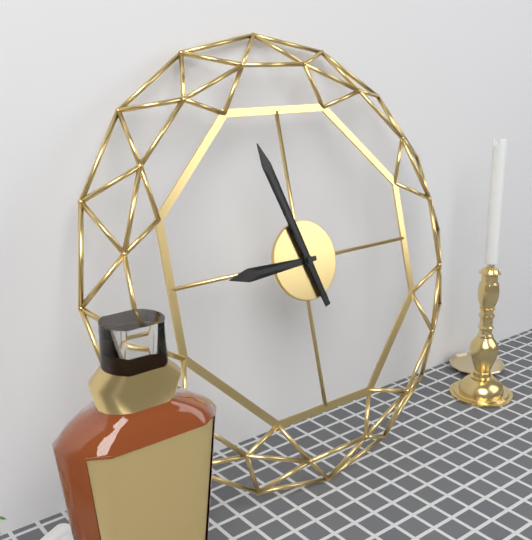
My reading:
8 h 57 min
